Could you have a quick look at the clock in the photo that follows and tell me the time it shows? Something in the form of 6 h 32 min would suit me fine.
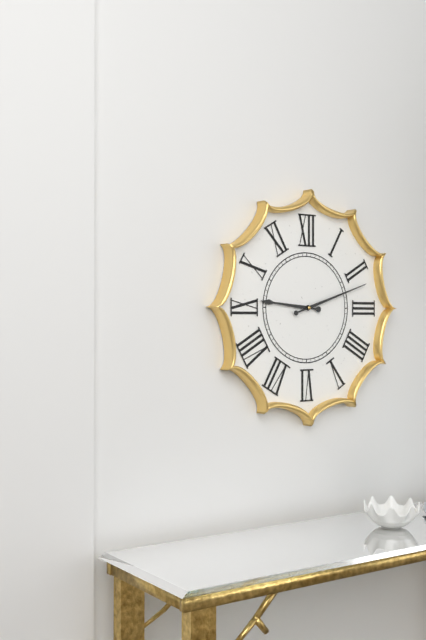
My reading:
9 h 12 min
